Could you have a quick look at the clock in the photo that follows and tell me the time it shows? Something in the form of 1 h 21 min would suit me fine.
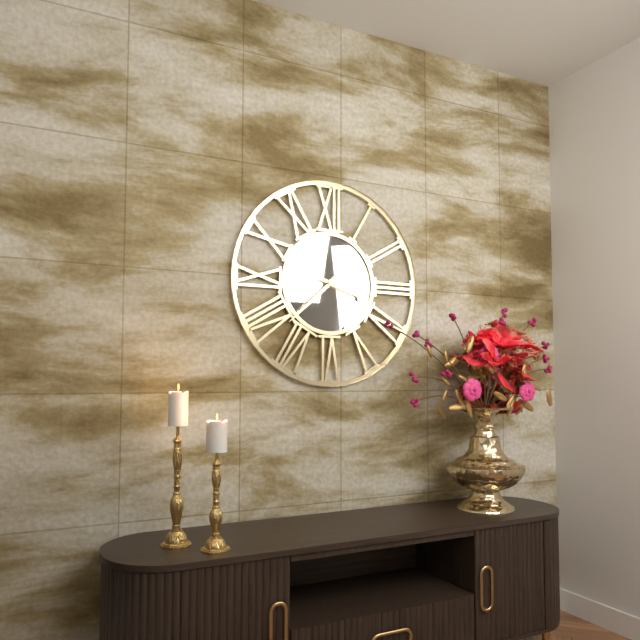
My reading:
3 h 38 min
